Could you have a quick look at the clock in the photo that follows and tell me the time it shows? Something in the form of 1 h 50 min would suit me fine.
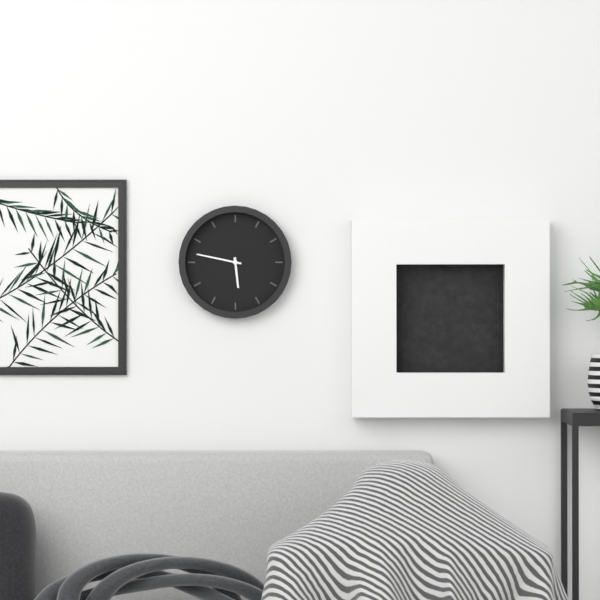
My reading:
5 h 47 min
